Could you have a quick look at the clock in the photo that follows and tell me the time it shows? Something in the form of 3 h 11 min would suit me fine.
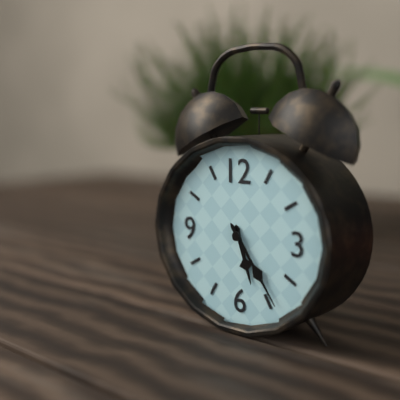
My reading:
5 h 24 min
